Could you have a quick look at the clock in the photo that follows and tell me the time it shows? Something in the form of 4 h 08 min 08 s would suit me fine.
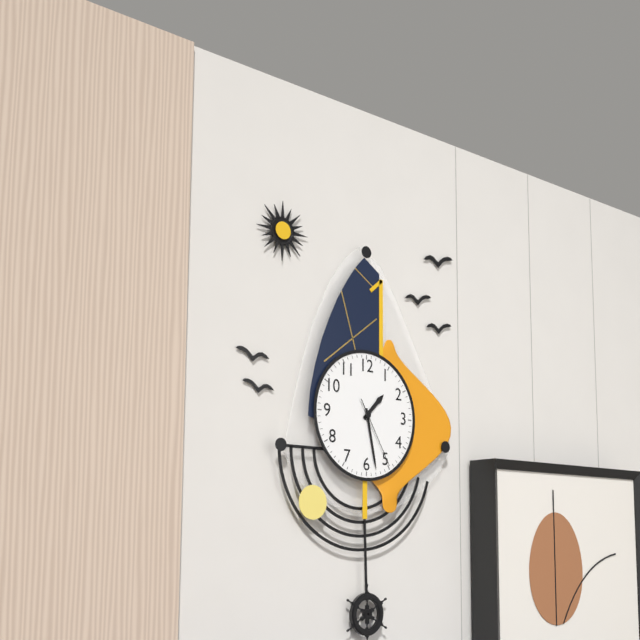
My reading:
1 h 28 min 25 s
